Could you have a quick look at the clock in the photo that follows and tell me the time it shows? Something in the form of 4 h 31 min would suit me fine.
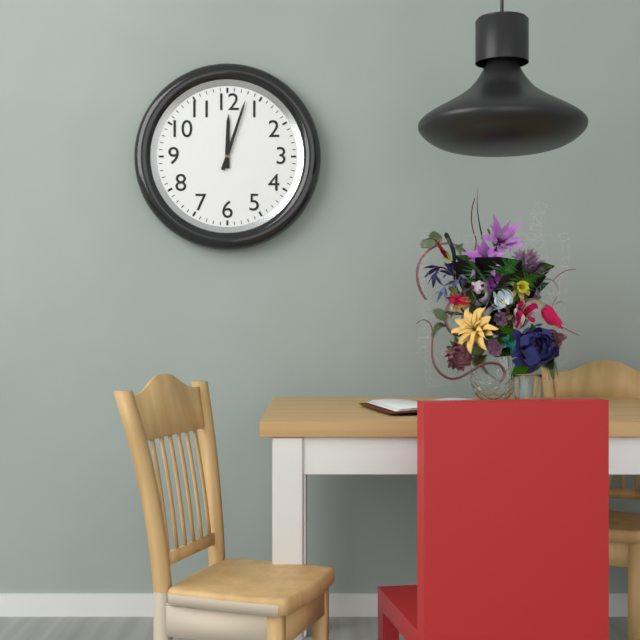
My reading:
12 h 03 min
